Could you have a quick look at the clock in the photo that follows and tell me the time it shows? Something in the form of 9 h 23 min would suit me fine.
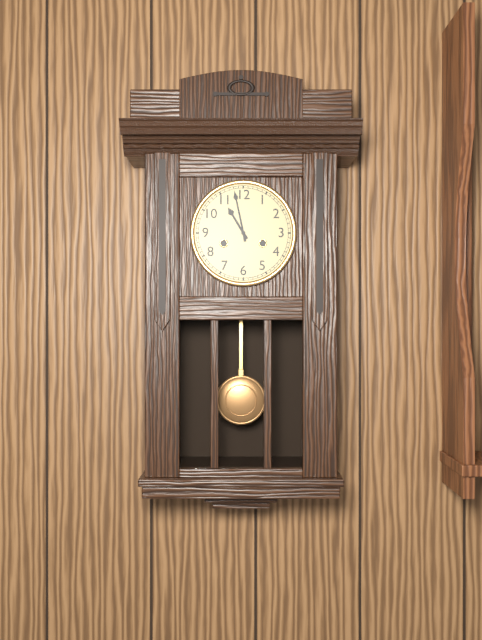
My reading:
10 h 58 min
